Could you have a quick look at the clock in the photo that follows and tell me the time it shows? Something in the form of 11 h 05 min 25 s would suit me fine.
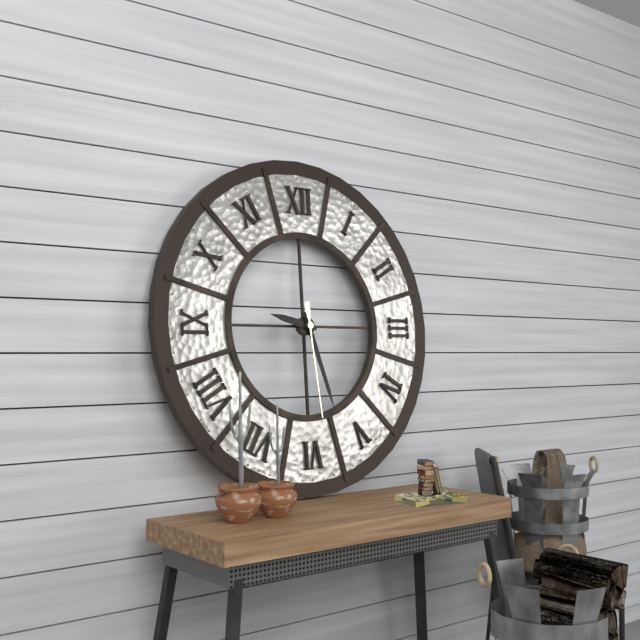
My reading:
9 h 27 min 29 s
